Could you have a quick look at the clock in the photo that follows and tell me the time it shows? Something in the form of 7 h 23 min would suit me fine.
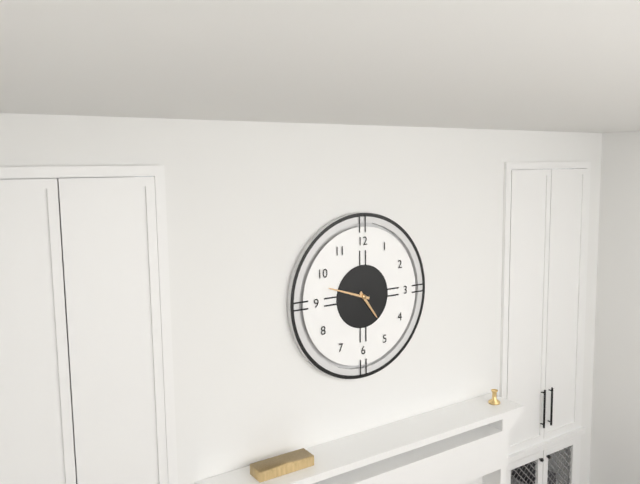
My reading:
4 h 48 min
